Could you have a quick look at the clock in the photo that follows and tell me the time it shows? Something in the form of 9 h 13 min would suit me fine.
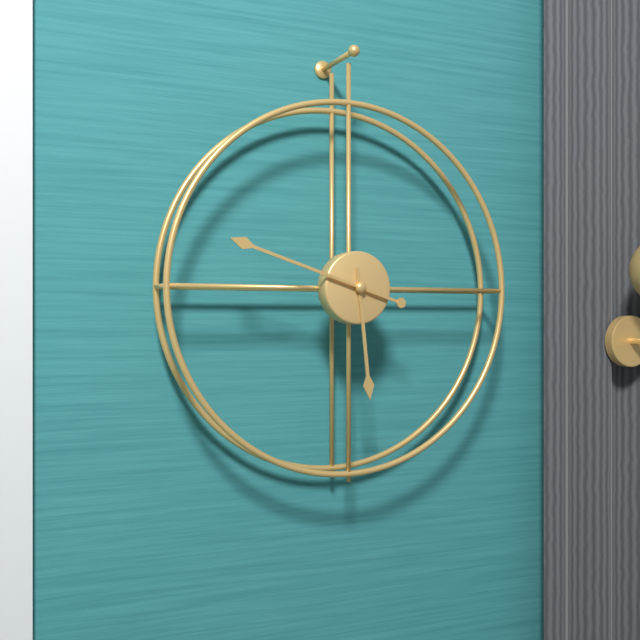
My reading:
5 h 48 min
